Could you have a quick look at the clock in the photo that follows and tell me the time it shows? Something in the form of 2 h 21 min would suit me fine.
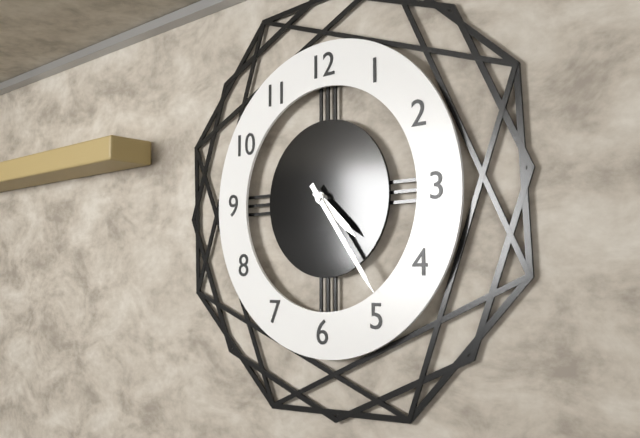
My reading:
4 h 24 min
